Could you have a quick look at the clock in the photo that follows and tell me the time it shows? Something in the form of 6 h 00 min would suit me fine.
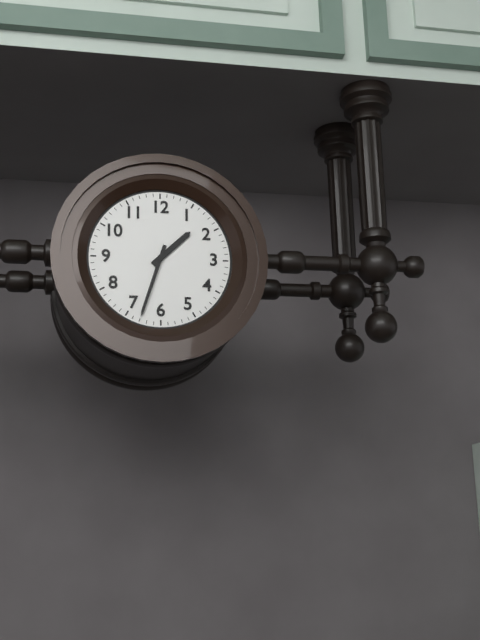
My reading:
1 h 33 min
